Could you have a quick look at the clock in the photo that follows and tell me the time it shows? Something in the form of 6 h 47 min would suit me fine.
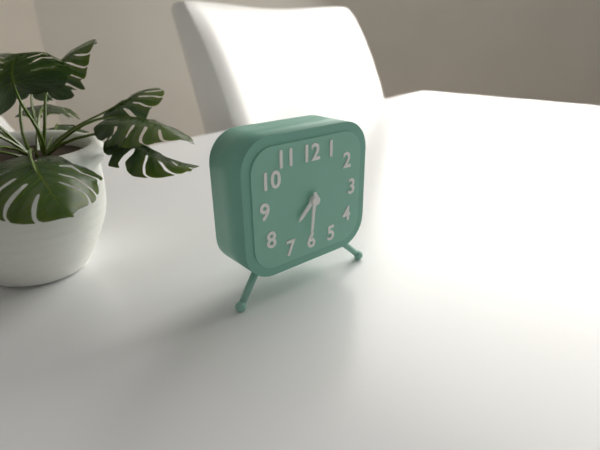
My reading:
7 h 31 min
